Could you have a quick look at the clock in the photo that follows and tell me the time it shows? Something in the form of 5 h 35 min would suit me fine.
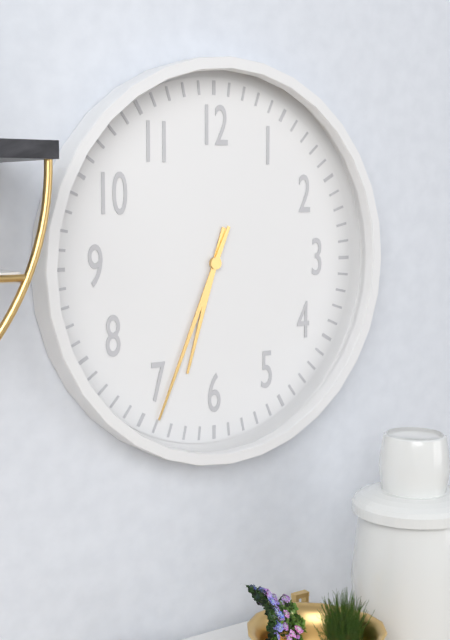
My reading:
6 h 34 min
